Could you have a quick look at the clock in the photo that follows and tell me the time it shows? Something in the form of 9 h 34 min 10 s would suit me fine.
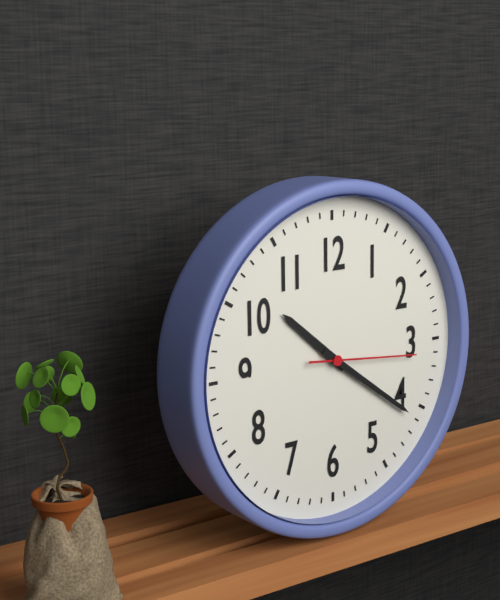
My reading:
10 h 21 min 16 s
